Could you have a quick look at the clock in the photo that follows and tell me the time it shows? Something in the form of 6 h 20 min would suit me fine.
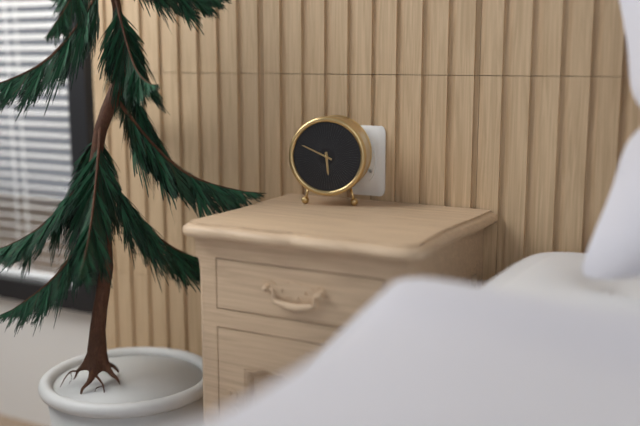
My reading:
5 h 49 min
